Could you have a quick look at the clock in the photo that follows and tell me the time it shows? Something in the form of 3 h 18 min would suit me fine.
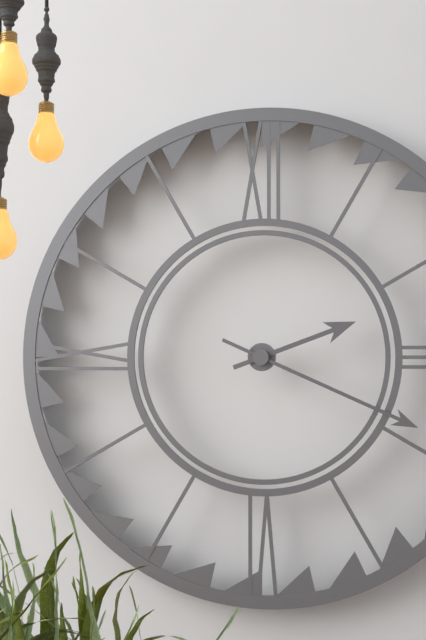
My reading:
2 h 19 min
